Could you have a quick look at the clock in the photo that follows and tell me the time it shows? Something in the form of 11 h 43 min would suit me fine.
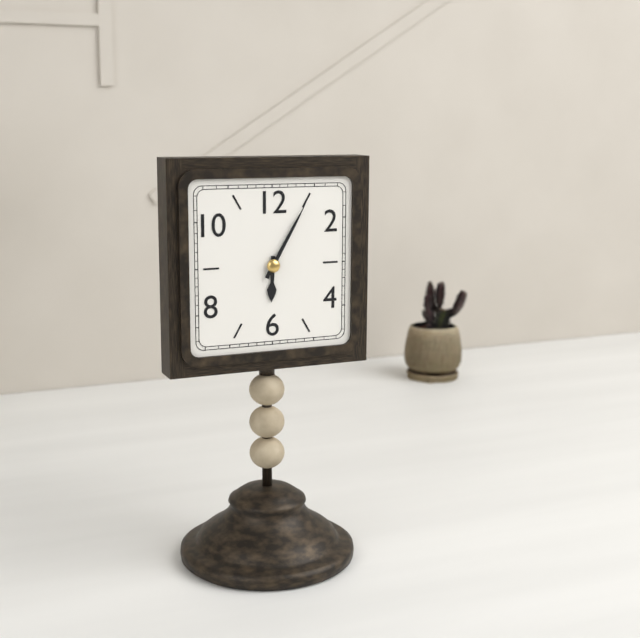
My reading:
6 h 05 min
